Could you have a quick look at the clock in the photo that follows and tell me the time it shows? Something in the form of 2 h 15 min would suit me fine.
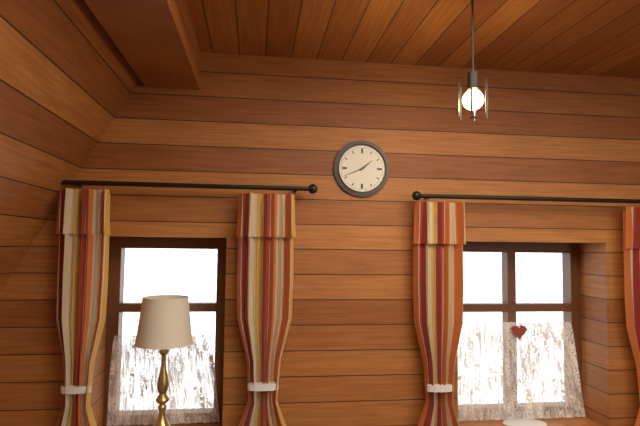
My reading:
1 h 41 min
